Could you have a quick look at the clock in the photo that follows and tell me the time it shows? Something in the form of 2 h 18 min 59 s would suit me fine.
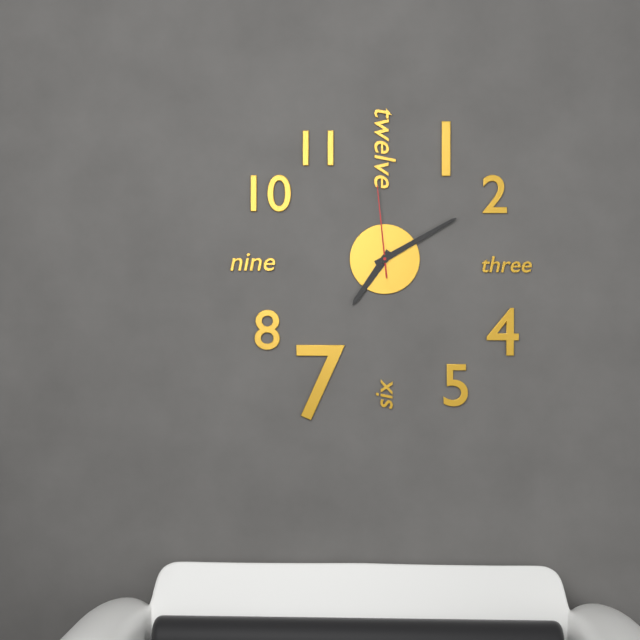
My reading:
7 h 10 min 59 s
